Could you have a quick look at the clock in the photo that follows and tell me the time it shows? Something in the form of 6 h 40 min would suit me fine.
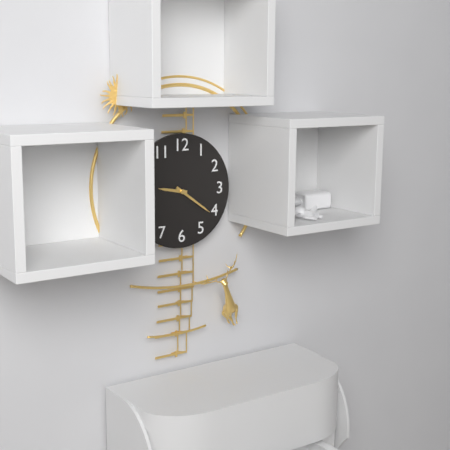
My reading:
9 h 21 min
